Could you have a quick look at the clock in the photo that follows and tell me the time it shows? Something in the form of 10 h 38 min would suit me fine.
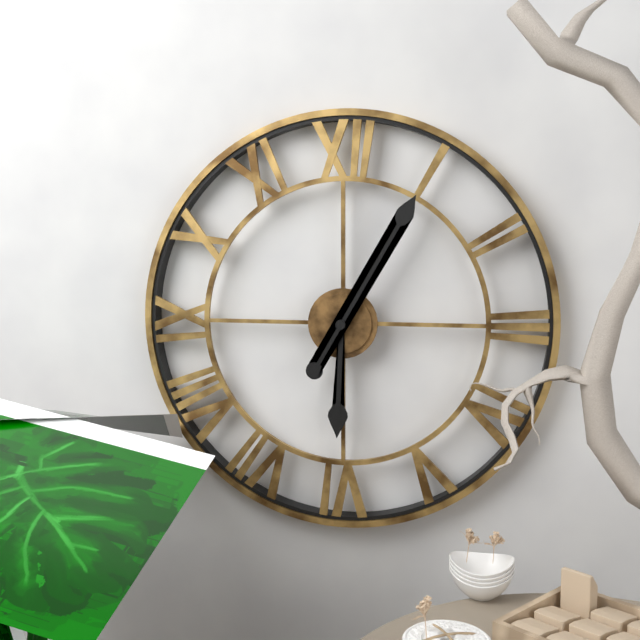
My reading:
6 h 05 min
